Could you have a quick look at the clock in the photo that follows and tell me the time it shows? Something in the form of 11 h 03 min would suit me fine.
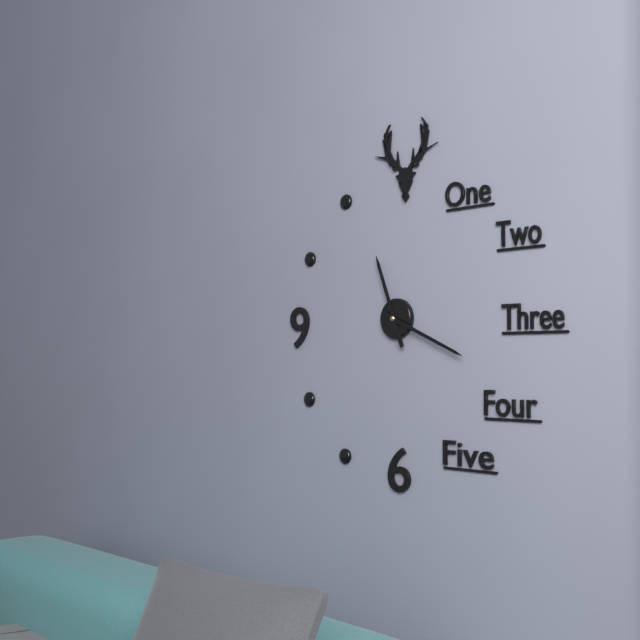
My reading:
11 h 19 min
